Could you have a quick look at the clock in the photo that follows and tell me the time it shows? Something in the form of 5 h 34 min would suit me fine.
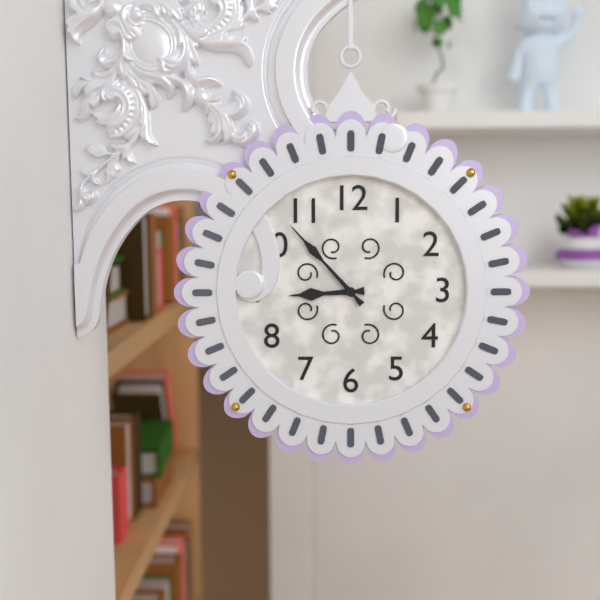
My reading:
8 h 53 min
